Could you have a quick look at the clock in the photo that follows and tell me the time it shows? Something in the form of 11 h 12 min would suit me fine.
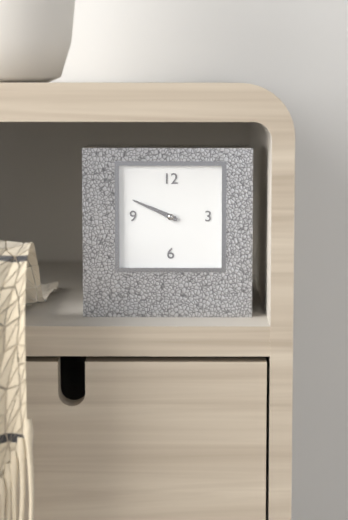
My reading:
9 h 49 min
